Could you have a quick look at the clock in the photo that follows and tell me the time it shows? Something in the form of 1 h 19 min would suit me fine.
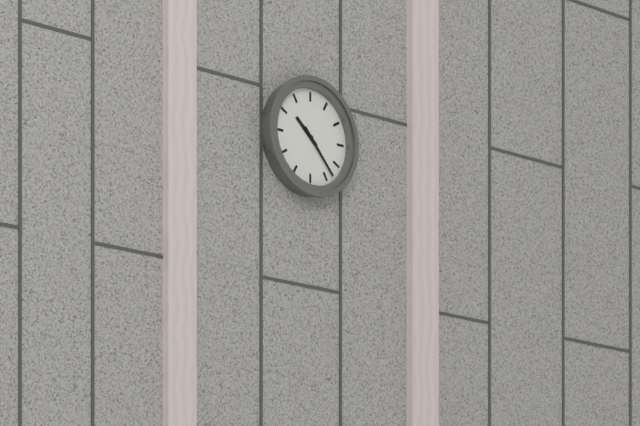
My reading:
10 h 23 min
